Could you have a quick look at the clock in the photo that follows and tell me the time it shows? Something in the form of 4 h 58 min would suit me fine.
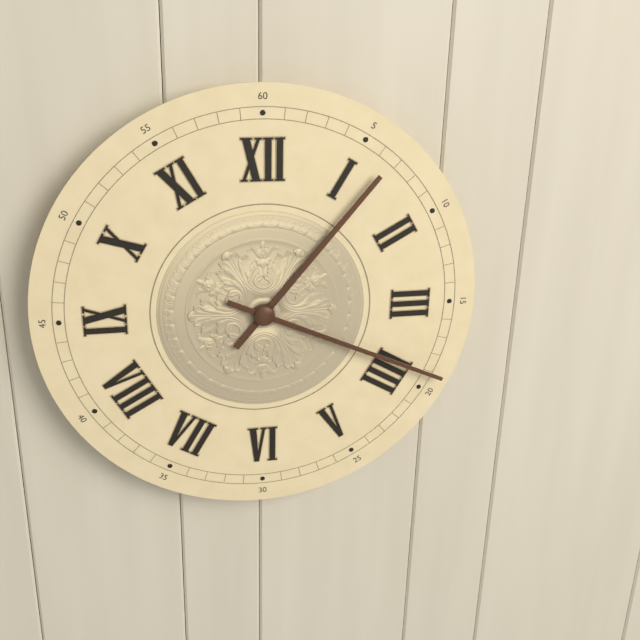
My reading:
1 h 19 min
